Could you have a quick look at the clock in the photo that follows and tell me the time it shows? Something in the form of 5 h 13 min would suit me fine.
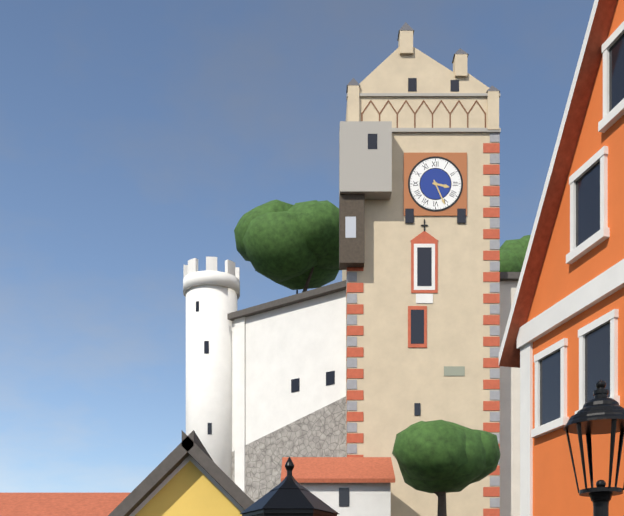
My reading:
3 h 26 min
